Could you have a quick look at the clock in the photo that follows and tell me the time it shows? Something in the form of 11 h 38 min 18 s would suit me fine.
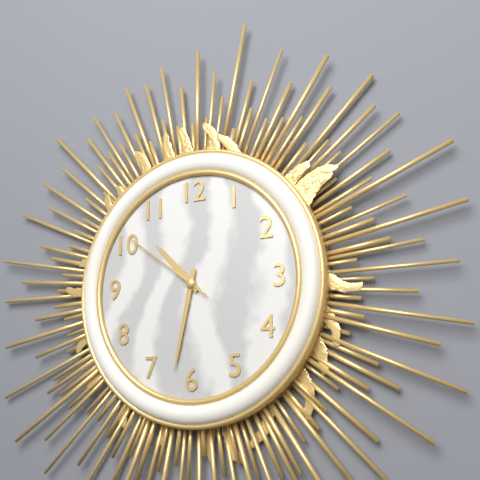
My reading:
10 h 32 min 51 s
